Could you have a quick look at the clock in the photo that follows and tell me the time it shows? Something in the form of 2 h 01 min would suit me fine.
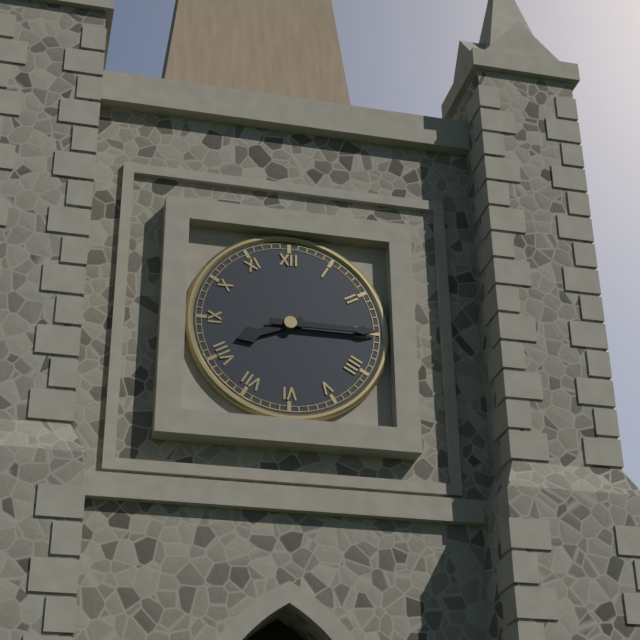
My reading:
8 h 15 min
